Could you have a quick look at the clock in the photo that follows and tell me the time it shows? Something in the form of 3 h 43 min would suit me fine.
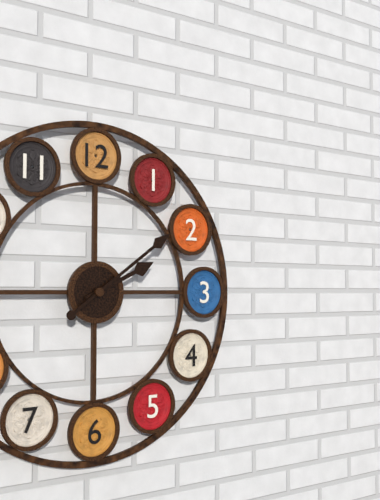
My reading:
2 h 09 min
